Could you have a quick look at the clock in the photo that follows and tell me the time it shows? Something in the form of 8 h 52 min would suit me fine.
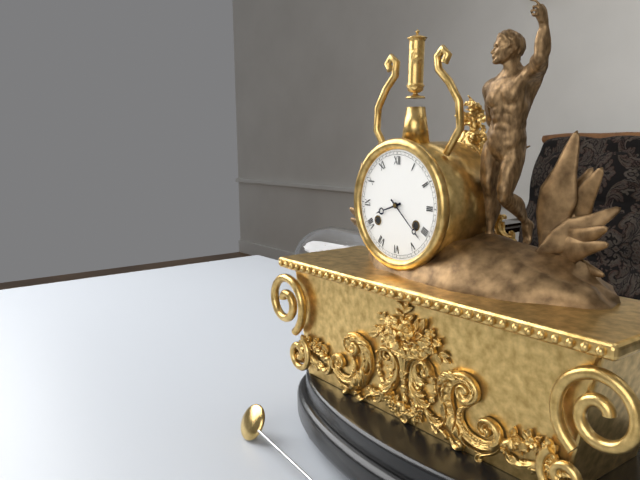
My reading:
8 h 22 min
